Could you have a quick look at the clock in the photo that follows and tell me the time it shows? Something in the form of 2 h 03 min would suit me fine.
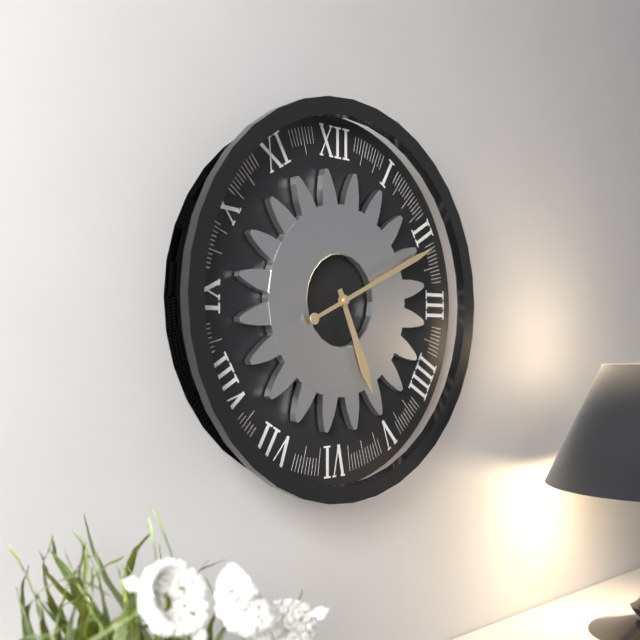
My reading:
5 h 11 min
